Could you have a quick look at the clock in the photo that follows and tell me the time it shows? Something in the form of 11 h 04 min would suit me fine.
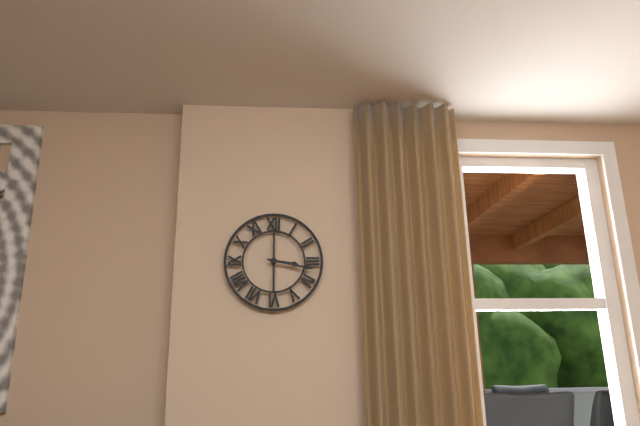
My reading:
3 h 17 min
